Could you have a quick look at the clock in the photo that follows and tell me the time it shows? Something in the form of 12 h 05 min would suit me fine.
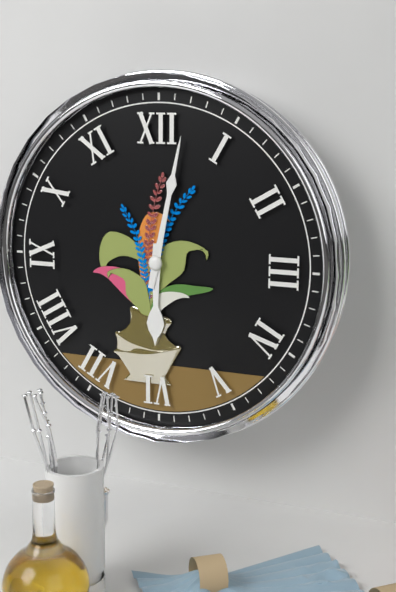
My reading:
6 h 02 min
